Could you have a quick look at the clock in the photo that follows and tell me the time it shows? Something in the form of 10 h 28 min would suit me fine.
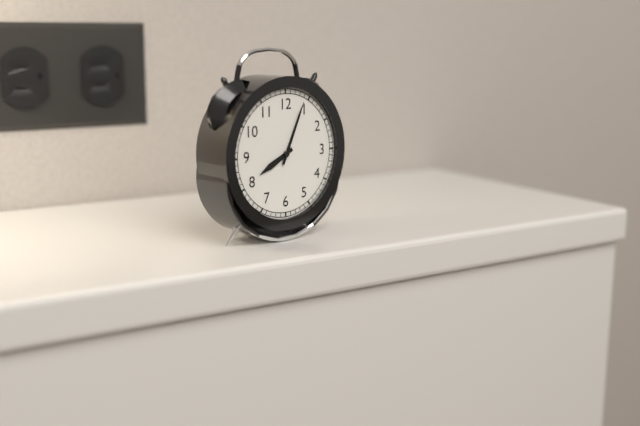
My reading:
8 h 04 min
